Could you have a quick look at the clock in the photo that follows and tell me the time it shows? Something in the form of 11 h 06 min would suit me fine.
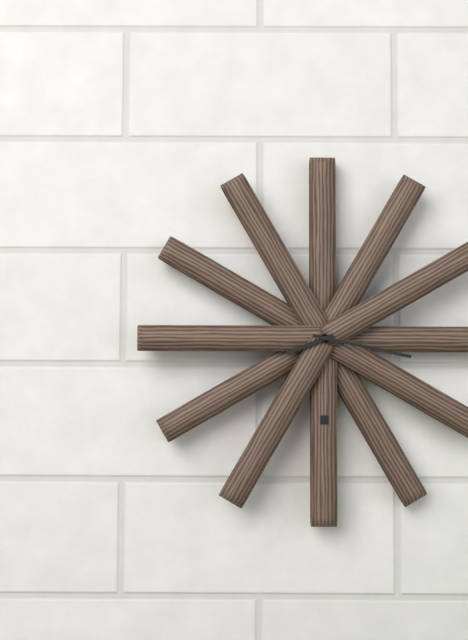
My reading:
8 h 17 min
